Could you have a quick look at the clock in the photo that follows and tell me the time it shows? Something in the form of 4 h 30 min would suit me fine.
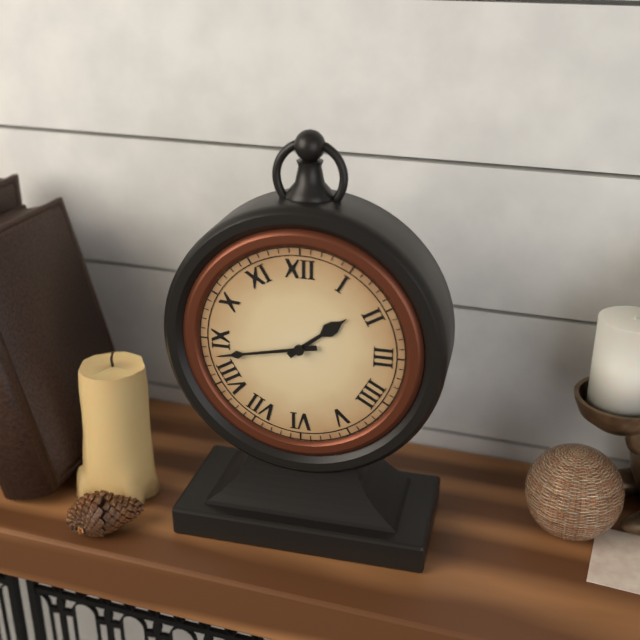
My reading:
1 h 43 min
